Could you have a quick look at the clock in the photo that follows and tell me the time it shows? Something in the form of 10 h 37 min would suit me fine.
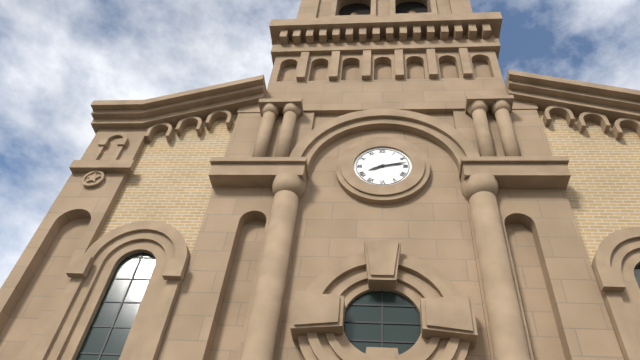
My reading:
8 h 13 min
